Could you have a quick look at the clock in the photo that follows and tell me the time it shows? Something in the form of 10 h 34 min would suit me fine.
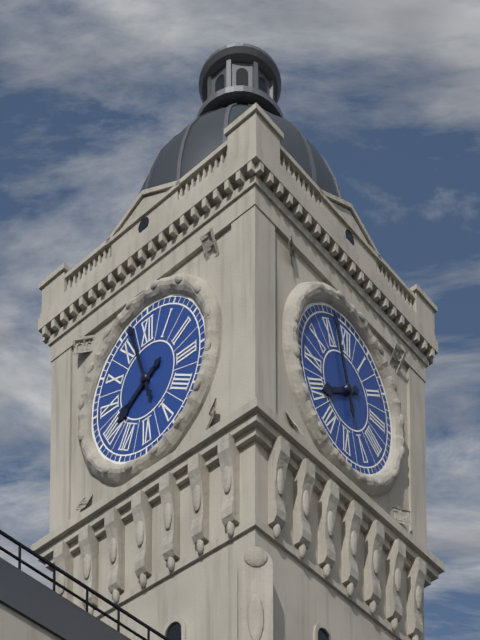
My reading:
7 h 57 min
